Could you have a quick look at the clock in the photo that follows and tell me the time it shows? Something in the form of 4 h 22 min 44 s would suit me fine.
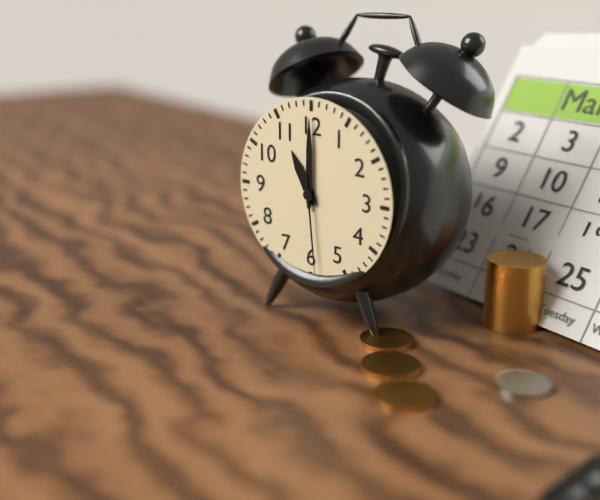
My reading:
11 h 00 min 29 s
